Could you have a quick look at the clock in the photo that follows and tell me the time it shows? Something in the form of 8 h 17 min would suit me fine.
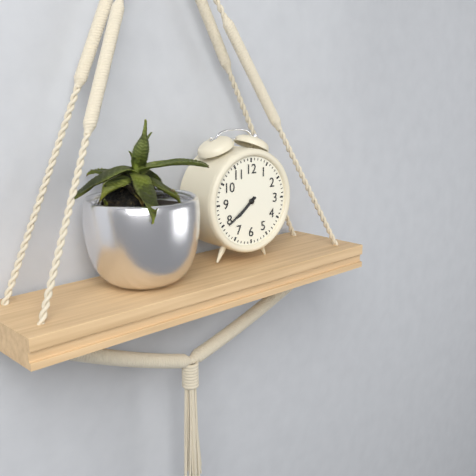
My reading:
7 h 39 min
